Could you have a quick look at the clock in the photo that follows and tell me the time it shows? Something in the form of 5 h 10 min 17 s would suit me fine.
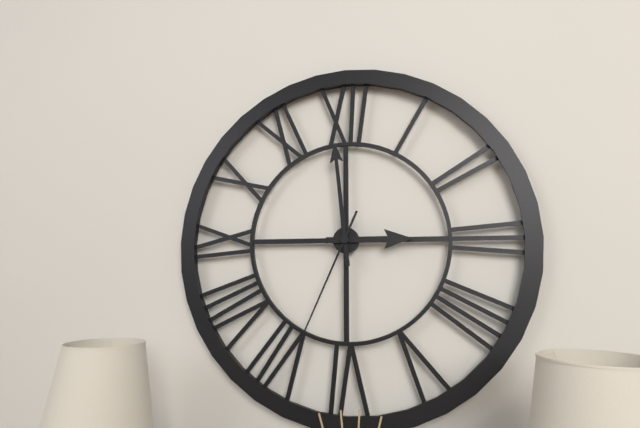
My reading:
2 h 59 min 34 s
